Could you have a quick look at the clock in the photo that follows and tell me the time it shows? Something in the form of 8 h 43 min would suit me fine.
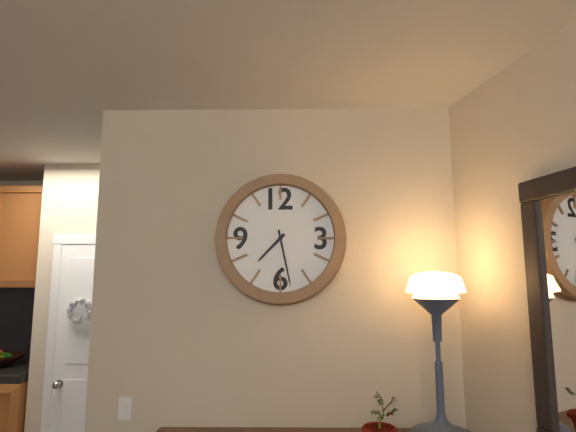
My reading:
7 h 28 min
